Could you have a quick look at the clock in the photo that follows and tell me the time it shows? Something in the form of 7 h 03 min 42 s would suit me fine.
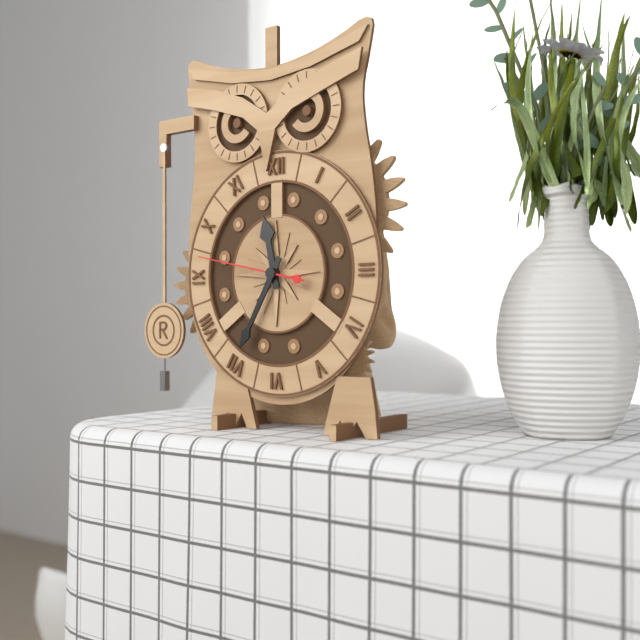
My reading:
11 h 35 min 47 s
